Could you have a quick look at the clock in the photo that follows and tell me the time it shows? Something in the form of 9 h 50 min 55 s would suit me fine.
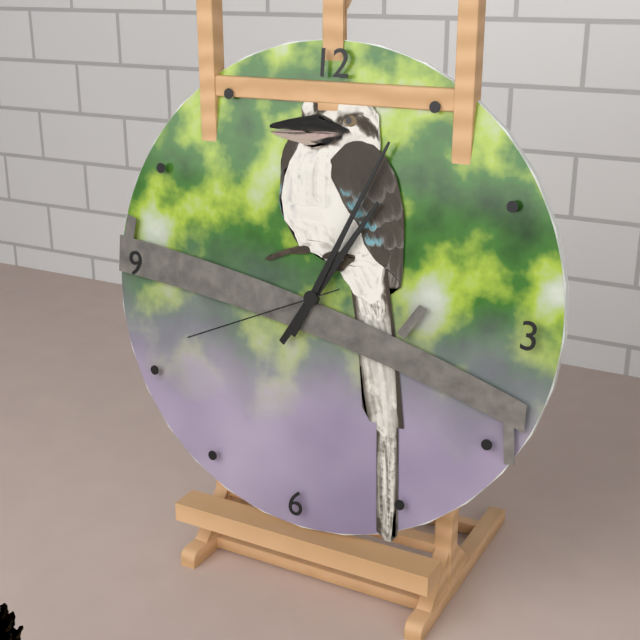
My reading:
1 h 04 min 41 s
